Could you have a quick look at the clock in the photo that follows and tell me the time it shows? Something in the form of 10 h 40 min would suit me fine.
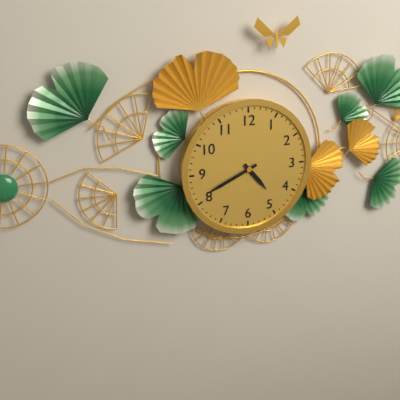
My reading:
4 h 41 min
